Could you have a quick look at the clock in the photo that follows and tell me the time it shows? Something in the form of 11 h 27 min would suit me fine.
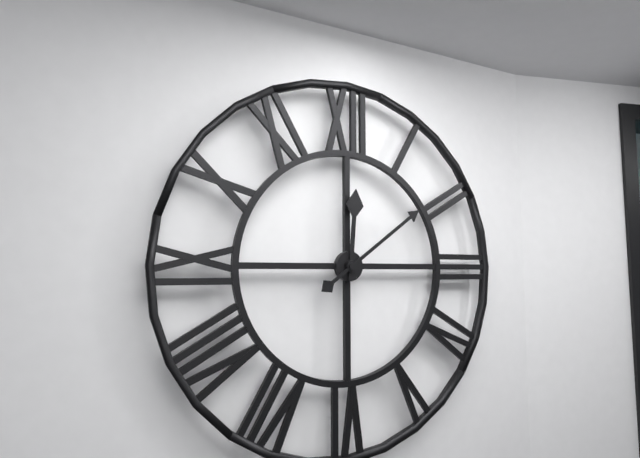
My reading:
12 h 09 min
